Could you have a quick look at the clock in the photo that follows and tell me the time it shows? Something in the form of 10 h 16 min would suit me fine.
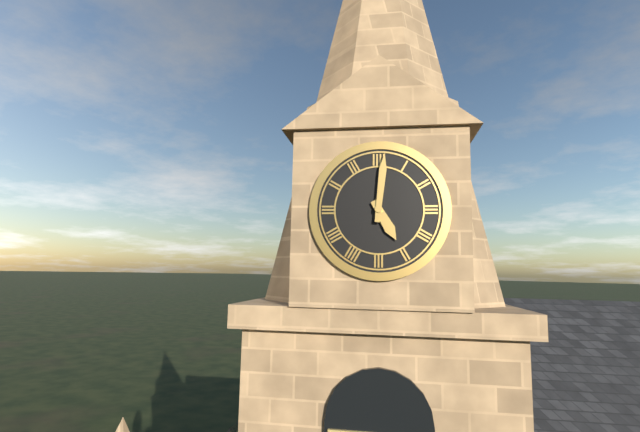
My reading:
5 h 01 min
